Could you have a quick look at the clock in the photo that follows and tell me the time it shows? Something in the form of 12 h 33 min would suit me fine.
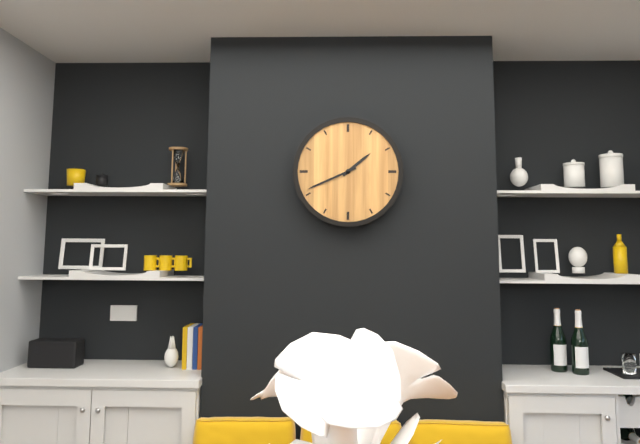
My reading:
1 h 41 min
